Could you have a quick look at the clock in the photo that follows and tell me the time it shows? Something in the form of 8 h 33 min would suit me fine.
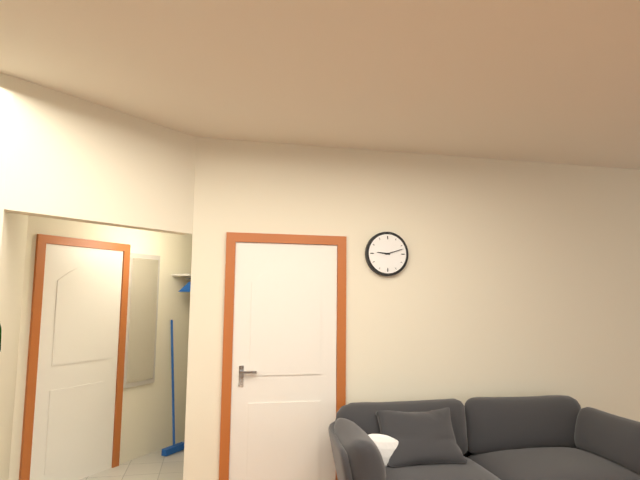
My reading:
9 h 12 min
